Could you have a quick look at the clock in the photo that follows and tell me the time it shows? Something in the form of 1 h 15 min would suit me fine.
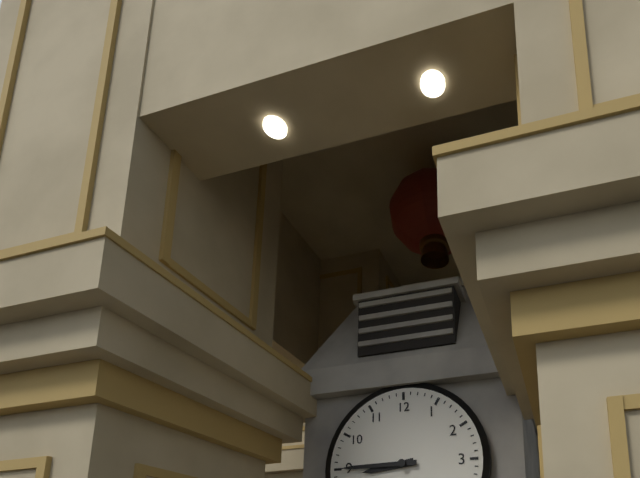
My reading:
8 h 45 min
